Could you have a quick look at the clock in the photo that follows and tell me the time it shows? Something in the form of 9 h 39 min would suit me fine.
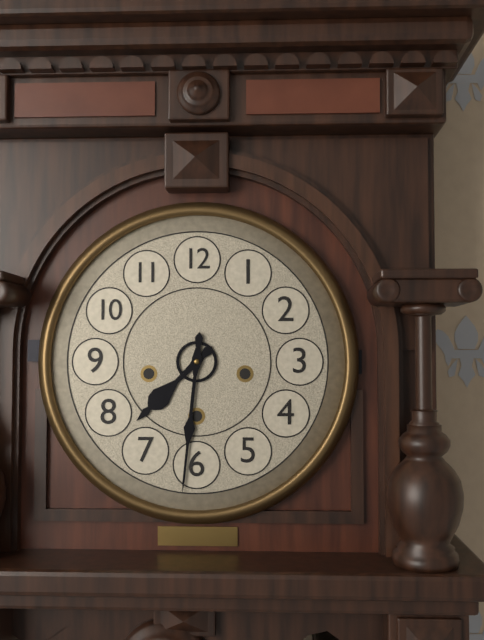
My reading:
7 h 31 min
